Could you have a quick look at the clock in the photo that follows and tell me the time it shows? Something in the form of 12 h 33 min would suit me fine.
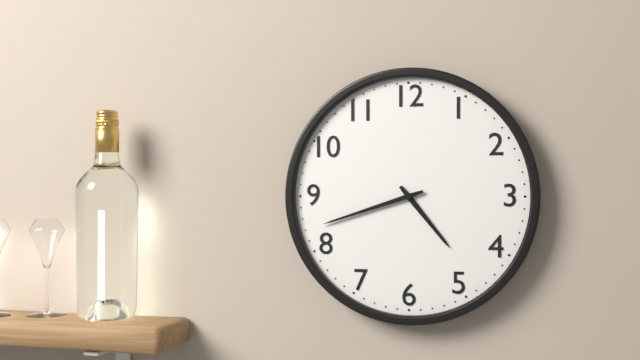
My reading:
4 h 42 min
